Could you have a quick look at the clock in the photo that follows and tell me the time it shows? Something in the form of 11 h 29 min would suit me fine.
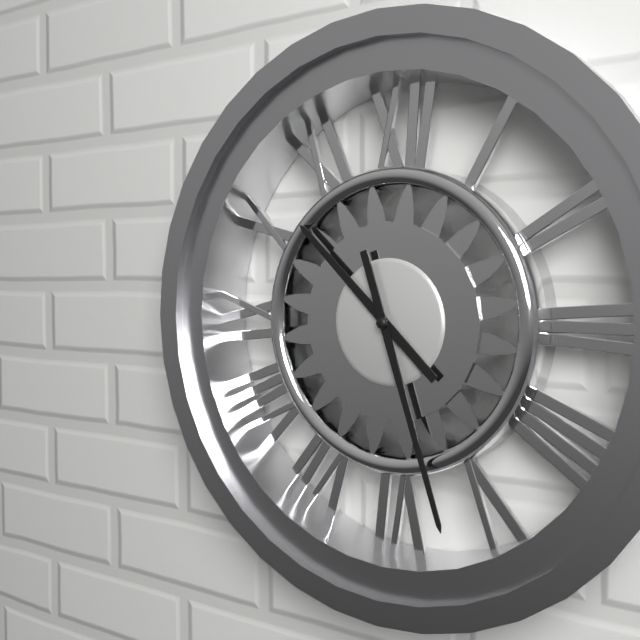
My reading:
10 h 27 min
